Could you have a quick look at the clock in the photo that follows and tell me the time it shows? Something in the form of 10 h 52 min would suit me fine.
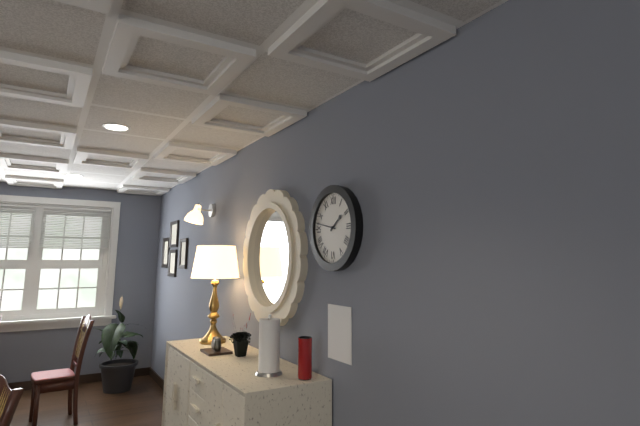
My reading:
1 h 47 min
